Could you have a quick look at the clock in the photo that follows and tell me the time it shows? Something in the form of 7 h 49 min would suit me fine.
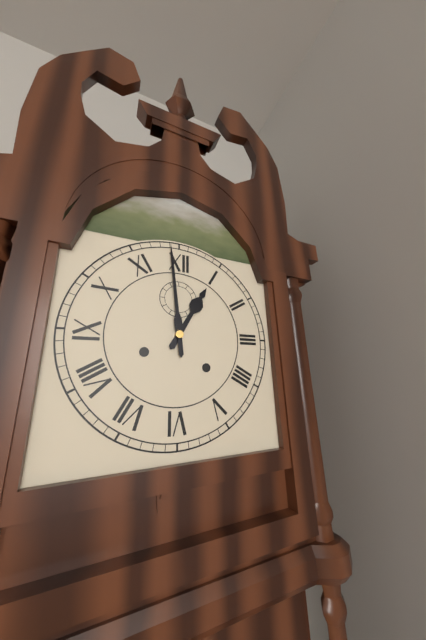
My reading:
12 h 59 min
